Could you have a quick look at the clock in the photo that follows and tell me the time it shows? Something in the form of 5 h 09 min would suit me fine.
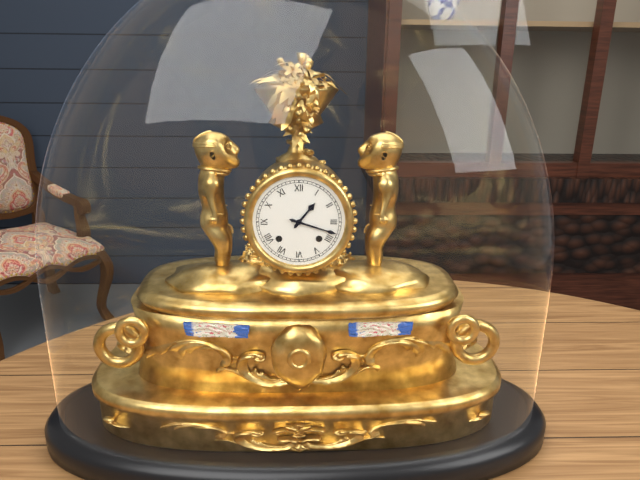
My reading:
1 h 18 min
